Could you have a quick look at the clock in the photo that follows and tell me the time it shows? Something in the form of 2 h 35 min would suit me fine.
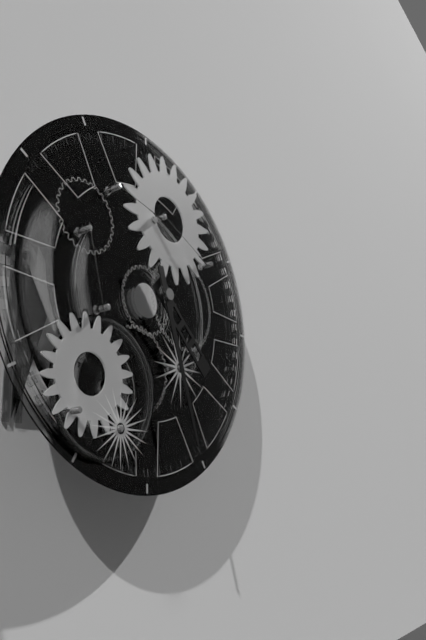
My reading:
4 h 27 min
